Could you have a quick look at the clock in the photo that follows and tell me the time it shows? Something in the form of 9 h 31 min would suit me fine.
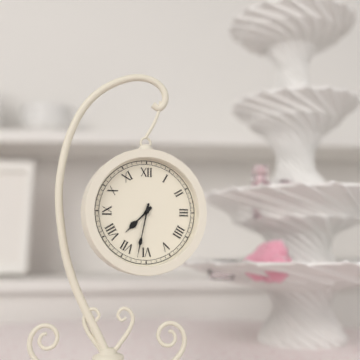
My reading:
7 h 32 min
